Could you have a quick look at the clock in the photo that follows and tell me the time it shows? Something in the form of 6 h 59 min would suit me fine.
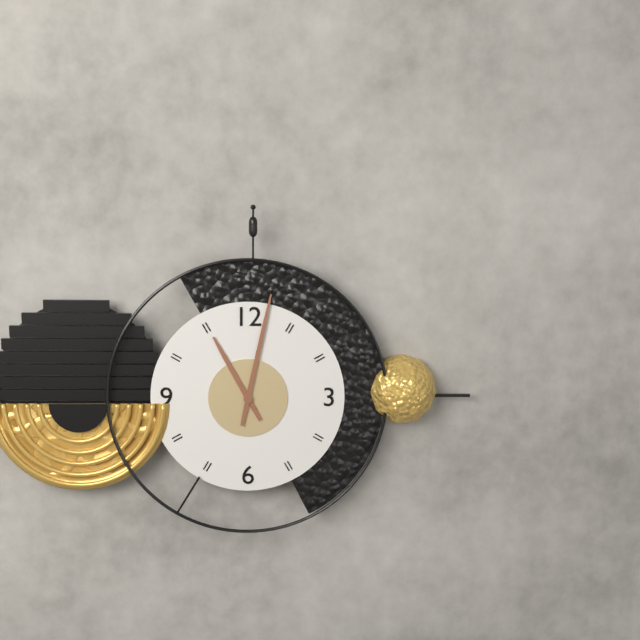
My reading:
11 h 02 min
